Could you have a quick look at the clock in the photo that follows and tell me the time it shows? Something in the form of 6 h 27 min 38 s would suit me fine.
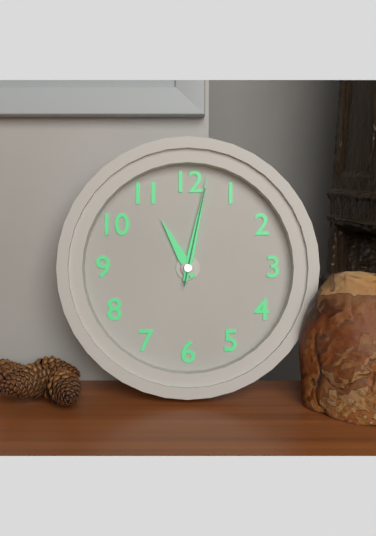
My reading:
11 h 02 min 02 s
